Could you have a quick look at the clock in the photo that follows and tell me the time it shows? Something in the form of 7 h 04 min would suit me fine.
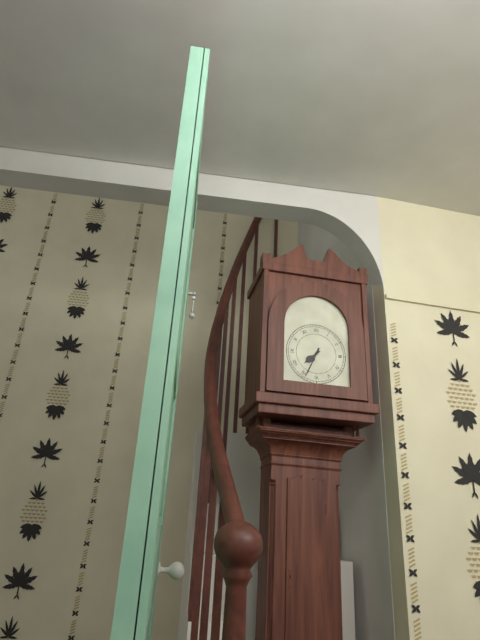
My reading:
7 h 34 min
